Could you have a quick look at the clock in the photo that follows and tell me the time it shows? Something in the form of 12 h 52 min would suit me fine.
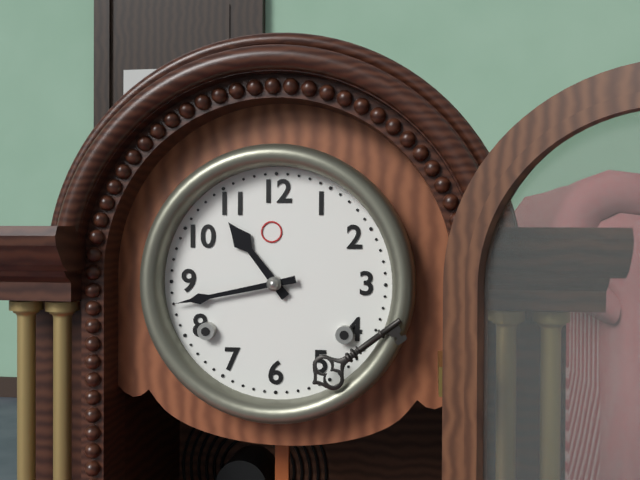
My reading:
10 h 43 min
